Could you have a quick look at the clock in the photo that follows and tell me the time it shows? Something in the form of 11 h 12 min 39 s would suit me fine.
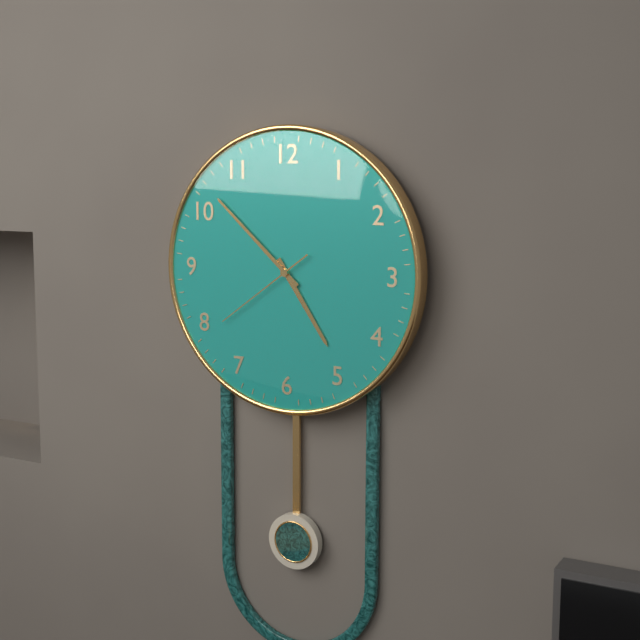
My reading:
4 h 52 min 39 s
